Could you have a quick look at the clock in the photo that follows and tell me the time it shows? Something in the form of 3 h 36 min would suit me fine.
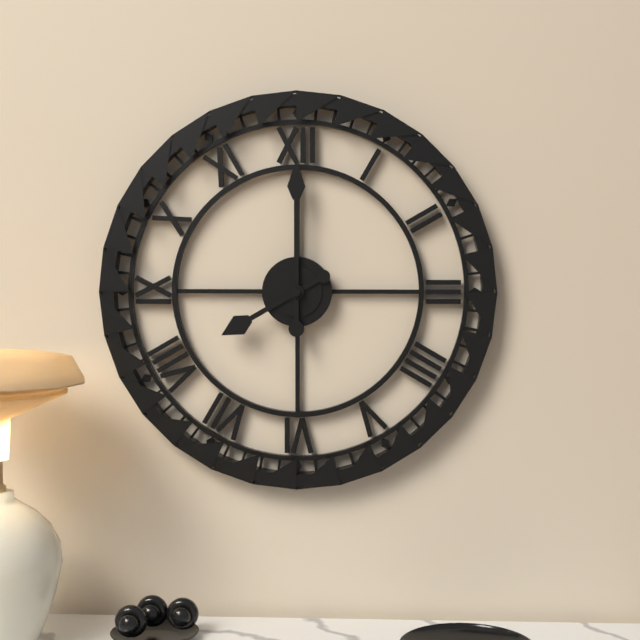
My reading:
8 h 00 min
